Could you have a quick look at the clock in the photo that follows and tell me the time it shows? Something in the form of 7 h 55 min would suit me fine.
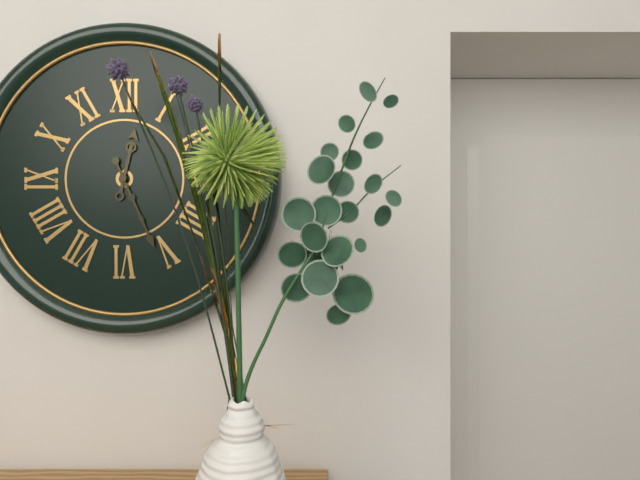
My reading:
12 h 26 min
